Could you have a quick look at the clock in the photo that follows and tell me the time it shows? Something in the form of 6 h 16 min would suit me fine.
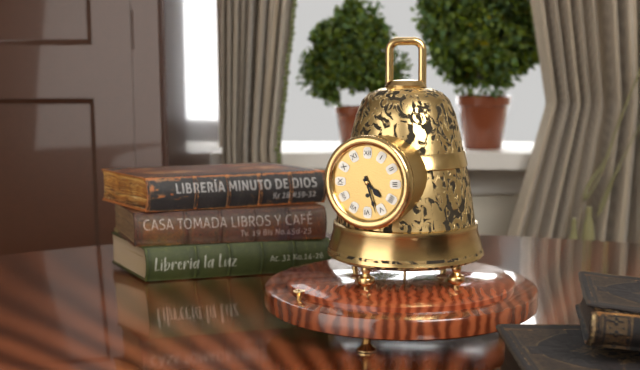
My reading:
4 h 27 min
